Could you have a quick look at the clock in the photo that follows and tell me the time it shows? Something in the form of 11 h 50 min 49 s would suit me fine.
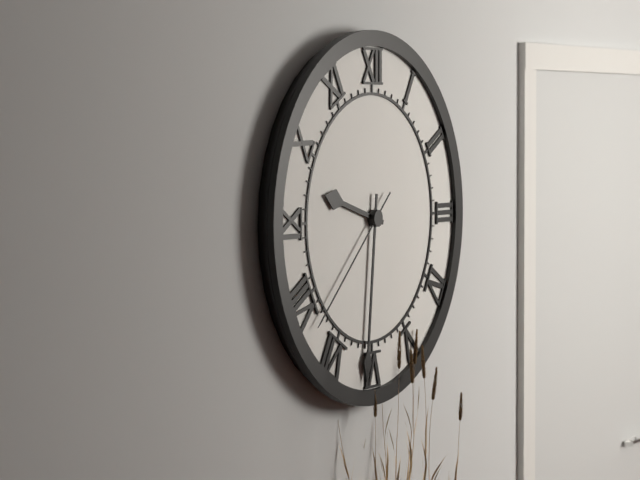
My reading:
9 h 31 min 38 s
